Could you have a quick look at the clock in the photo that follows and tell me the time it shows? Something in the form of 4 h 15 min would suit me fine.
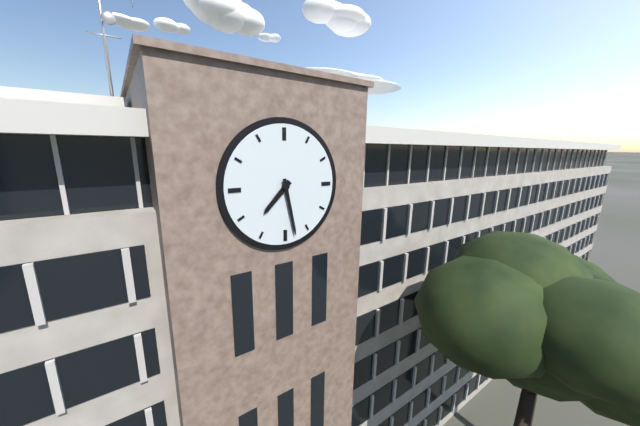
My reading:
7 h 28 min
